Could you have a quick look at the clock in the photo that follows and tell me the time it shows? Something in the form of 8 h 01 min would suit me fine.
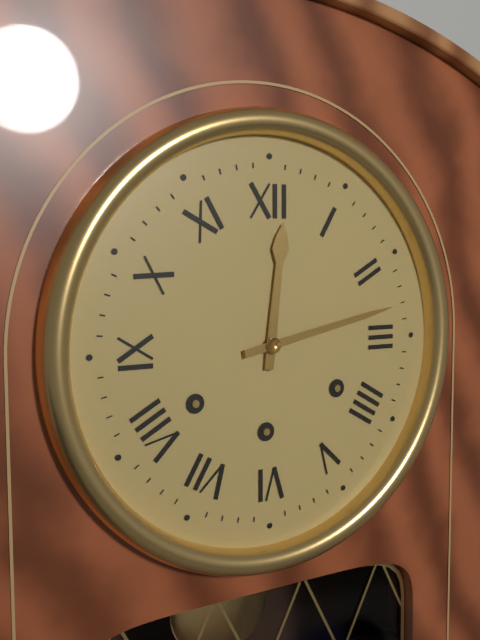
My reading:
12 h 13 min
